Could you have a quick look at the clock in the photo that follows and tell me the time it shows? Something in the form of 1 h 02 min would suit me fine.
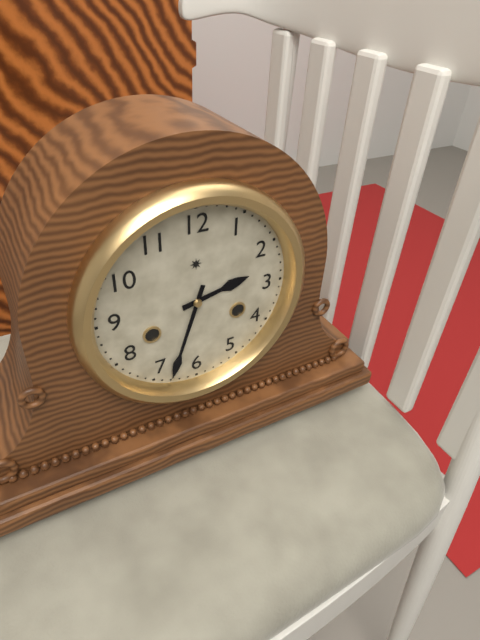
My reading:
2 h 33 min
